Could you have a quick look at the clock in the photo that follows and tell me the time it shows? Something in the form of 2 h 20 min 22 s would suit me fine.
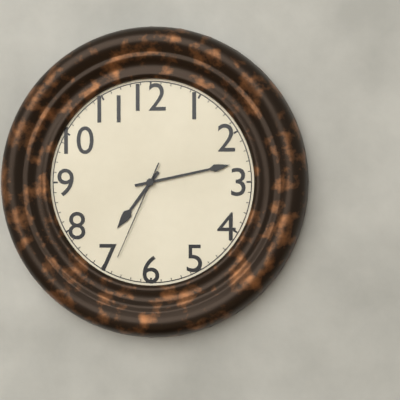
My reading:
7 h 13 min 34 s
